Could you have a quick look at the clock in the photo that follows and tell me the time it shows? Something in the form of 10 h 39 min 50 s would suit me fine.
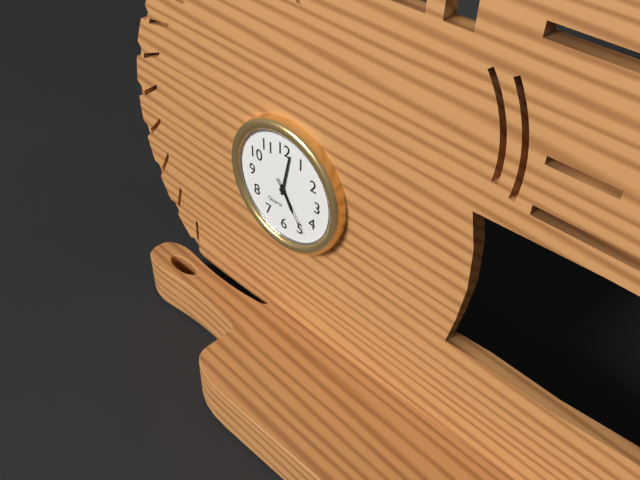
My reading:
5 h 02 min 24 s
